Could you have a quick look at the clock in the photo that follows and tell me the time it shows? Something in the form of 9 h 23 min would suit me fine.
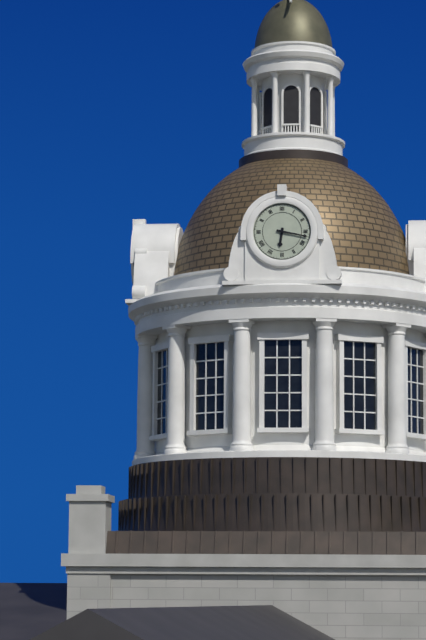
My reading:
6 h 17 min
